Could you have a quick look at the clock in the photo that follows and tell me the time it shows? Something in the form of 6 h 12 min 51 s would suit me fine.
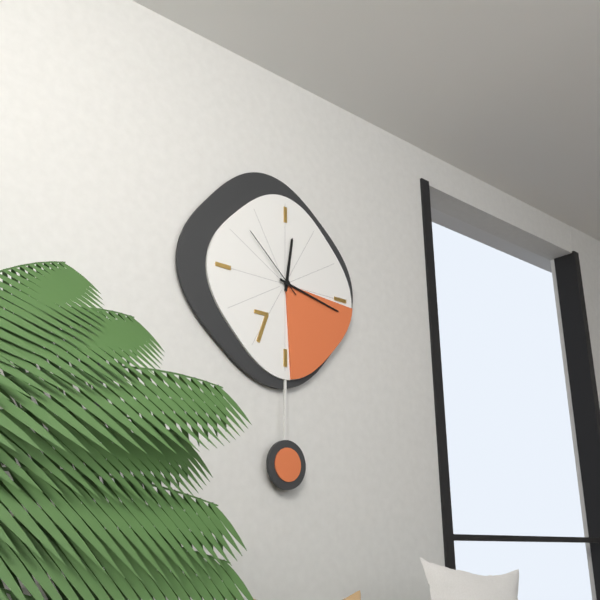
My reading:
12 h 17 min 52 s
